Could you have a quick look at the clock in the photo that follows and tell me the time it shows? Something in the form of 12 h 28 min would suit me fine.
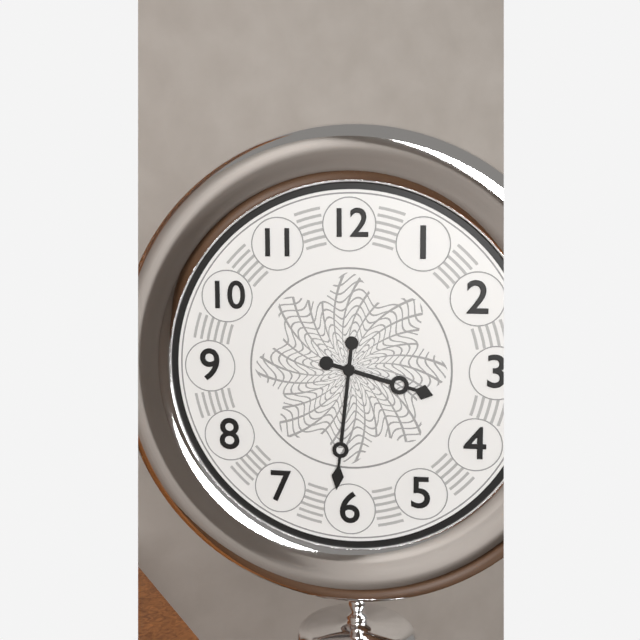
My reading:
3 h 31 min
